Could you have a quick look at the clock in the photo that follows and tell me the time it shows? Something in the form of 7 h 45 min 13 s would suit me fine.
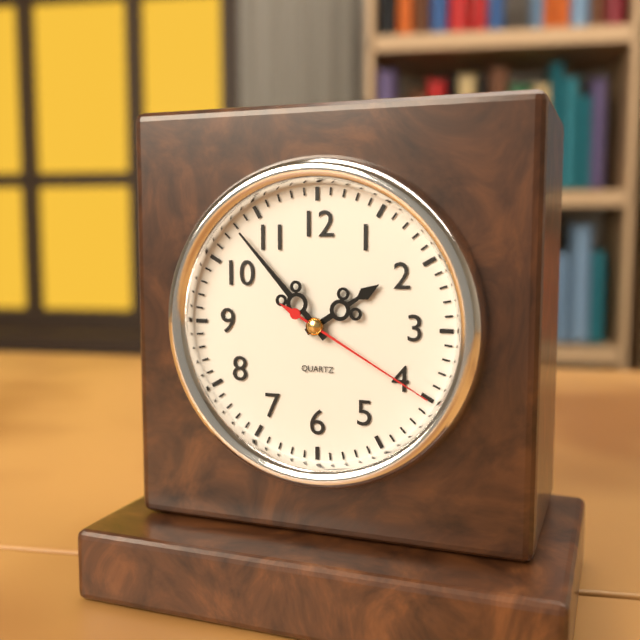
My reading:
1 h 53 min 20 s
